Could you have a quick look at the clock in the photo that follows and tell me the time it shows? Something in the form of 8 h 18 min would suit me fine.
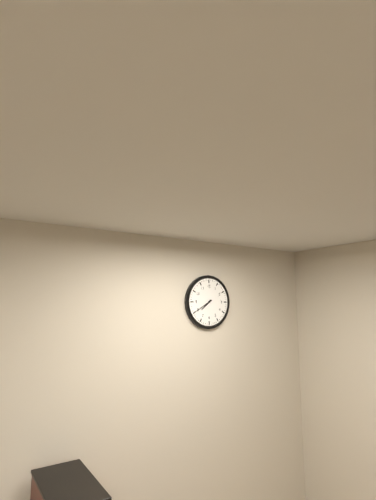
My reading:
7 h 40 min
